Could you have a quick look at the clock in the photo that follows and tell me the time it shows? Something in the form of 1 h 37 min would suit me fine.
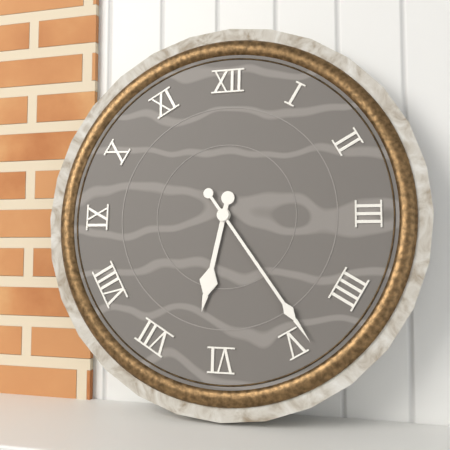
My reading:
6 h 24 min
